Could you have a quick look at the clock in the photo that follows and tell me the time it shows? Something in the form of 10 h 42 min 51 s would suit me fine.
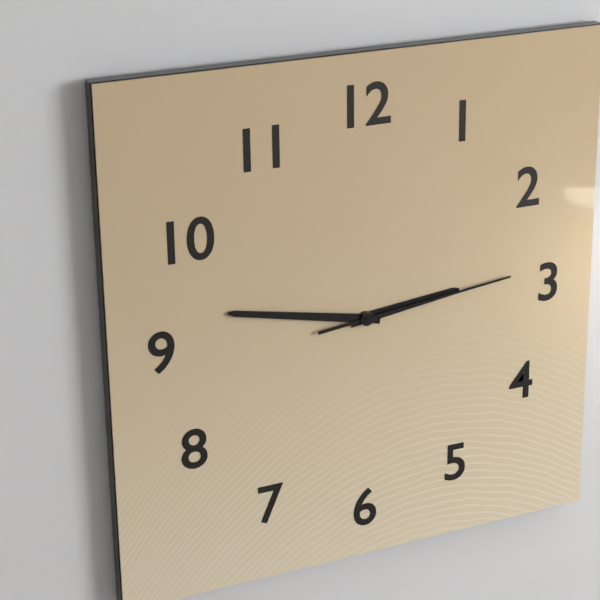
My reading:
2 h 47 min 14 s
